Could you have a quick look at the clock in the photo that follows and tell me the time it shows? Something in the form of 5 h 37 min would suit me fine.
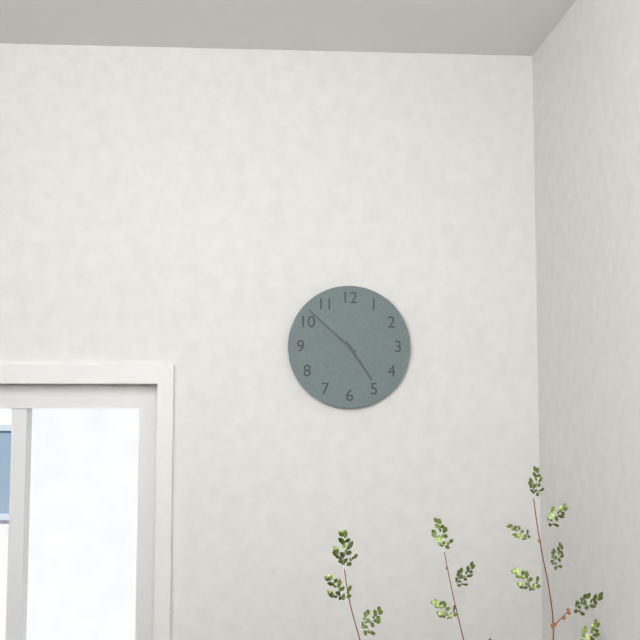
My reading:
4 h 52 min
